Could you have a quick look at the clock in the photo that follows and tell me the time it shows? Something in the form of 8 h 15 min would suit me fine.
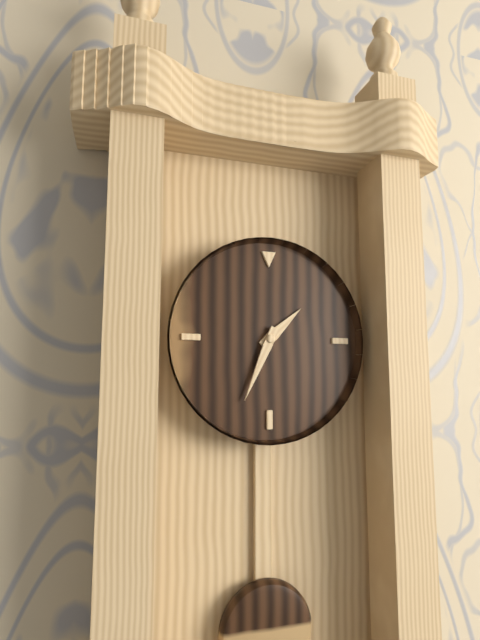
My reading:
1 h 34 min
